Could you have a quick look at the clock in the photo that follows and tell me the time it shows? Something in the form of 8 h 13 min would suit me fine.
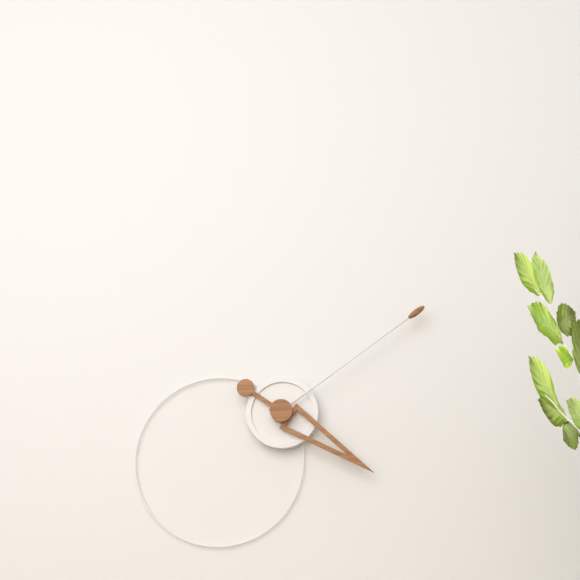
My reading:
4 h 09 min
